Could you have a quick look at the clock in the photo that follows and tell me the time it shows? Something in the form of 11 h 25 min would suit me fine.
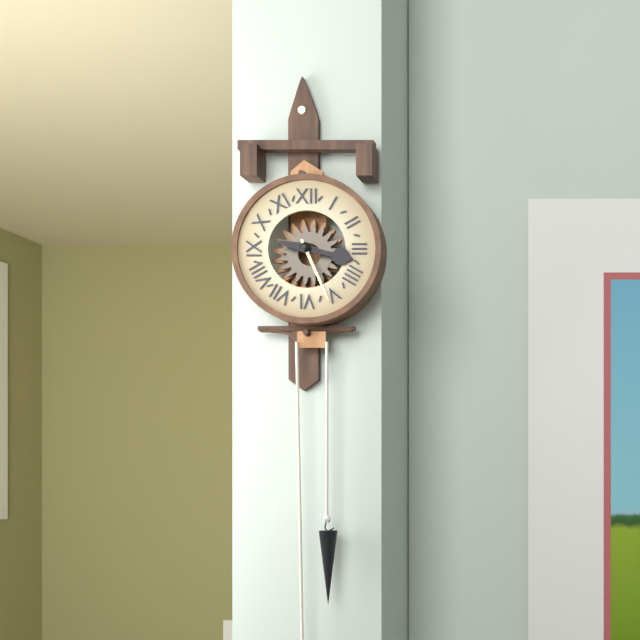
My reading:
3 h 26 min
